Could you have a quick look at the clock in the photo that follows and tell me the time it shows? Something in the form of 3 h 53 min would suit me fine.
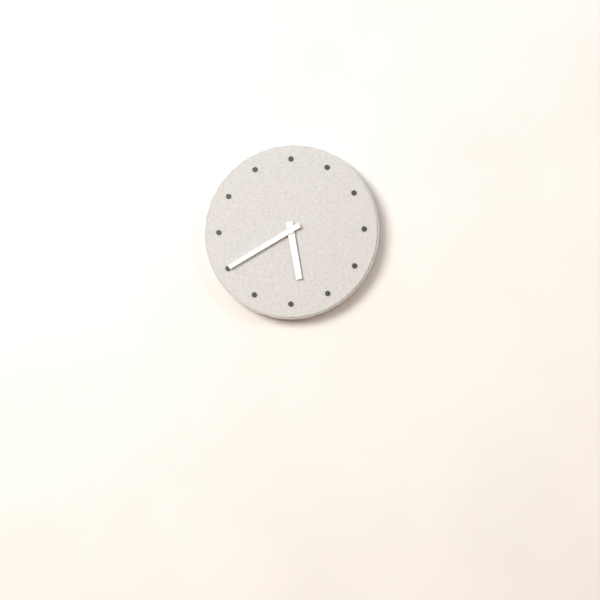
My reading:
5 h 40 min
